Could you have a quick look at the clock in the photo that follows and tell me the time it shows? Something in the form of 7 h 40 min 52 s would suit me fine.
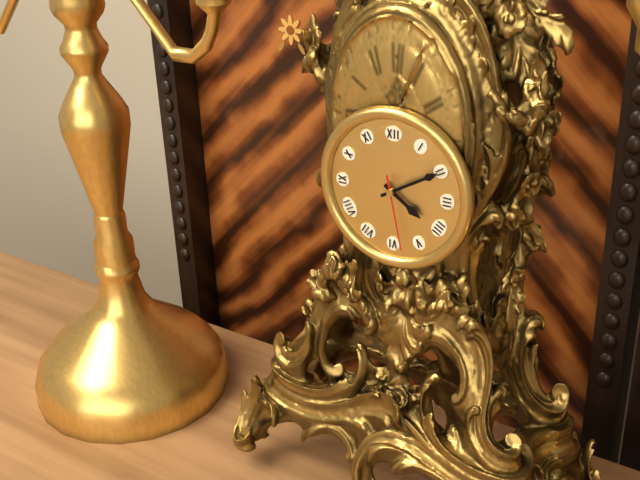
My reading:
4 h 10 min 28 s
